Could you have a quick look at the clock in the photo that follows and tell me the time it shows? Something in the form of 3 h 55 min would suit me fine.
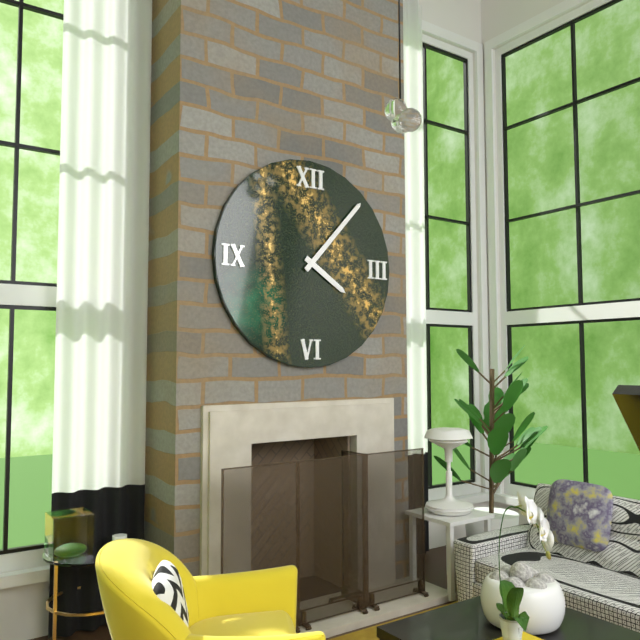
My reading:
4 h 07 min
